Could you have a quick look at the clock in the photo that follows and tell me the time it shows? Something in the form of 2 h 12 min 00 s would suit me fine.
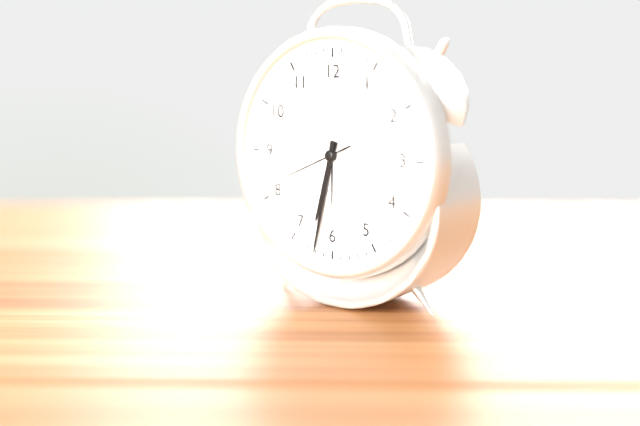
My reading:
6 h 32 min 41 s
